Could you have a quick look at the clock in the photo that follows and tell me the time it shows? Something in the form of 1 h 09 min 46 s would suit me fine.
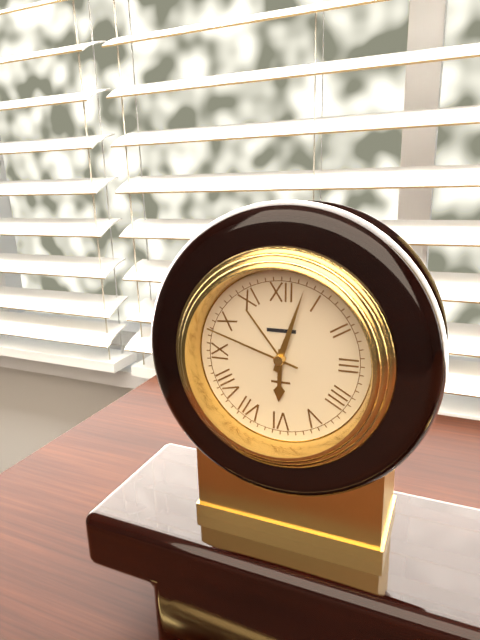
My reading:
6 h 03 min 48 s
